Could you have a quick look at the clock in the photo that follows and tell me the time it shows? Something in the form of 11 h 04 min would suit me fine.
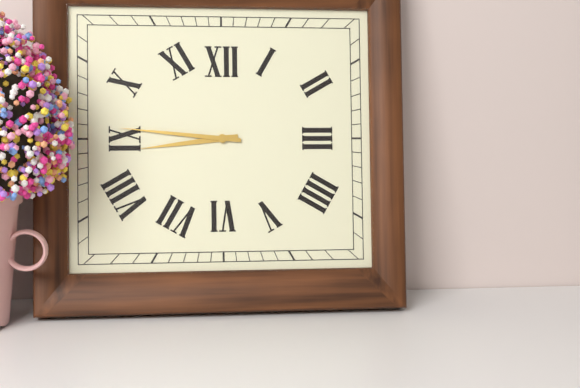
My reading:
8 h 46 min
